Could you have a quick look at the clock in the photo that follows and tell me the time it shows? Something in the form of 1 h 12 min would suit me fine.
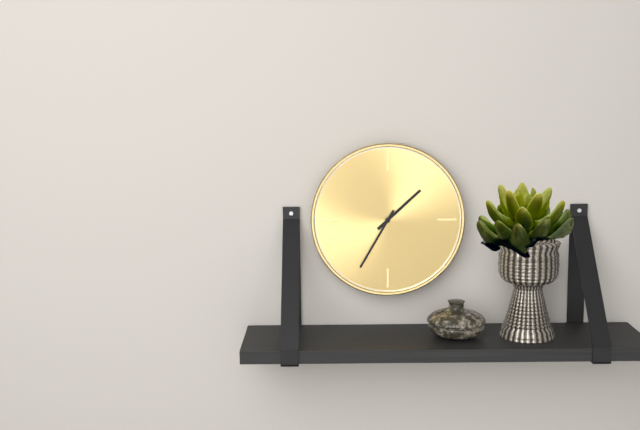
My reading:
1 h 35 min
